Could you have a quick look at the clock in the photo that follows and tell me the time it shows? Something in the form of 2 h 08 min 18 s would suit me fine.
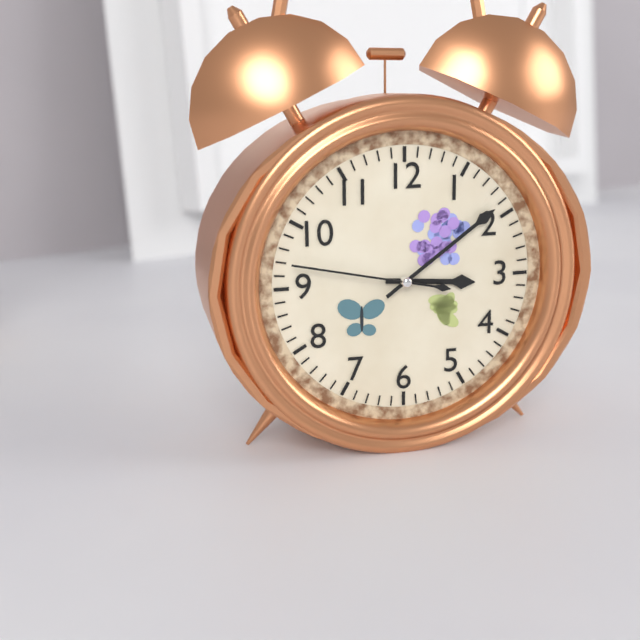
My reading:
3 h 09 min 47 s
